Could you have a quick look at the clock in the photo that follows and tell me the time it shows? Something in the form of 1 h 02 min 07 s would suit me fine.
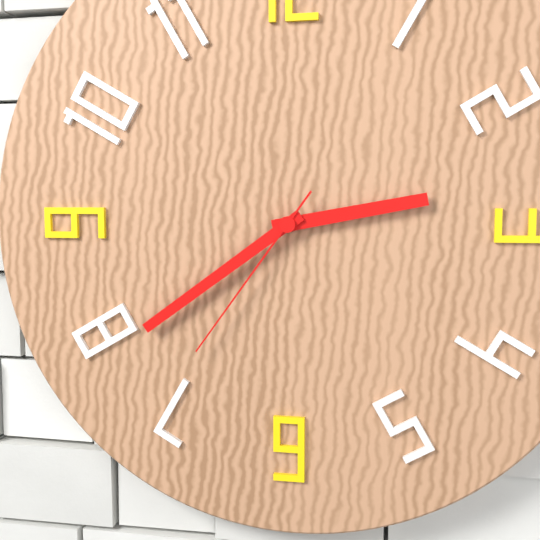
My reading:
2 h 39 min 36 s
